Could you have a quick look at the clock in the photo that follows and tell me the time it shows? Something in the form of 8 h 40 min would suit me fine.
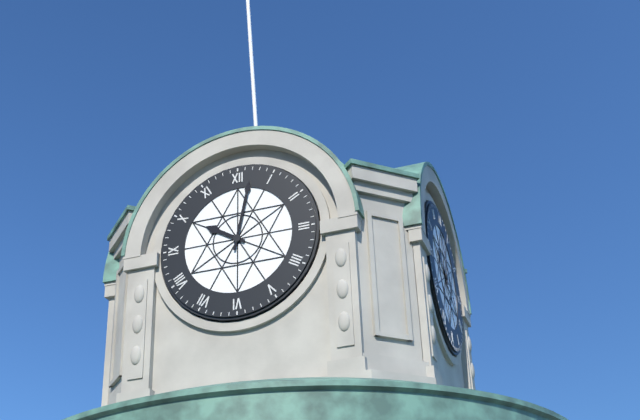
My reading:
10 h 02 min
